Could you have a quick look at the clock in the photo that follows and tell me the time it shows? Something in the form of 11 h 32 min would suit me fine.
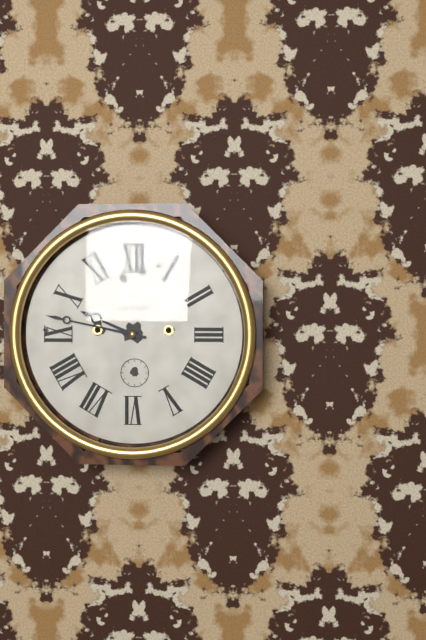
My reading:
9 h 47 min
